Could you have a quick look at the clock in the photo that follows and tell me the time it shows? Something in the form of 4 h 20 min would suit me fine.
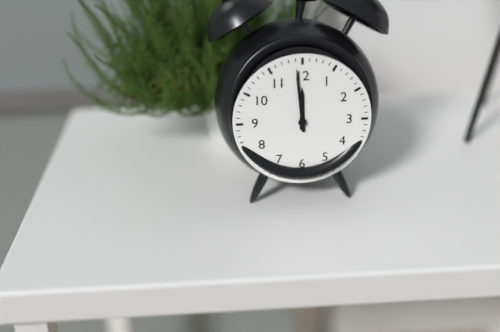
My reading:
11 h 59 min
